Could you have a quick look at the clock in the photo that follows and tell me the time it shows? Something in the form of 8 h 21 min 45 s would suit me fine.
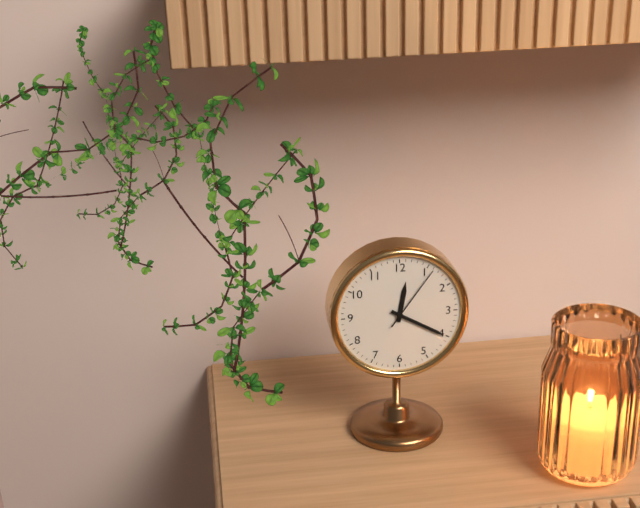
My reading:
12 h 20 min 06 s
